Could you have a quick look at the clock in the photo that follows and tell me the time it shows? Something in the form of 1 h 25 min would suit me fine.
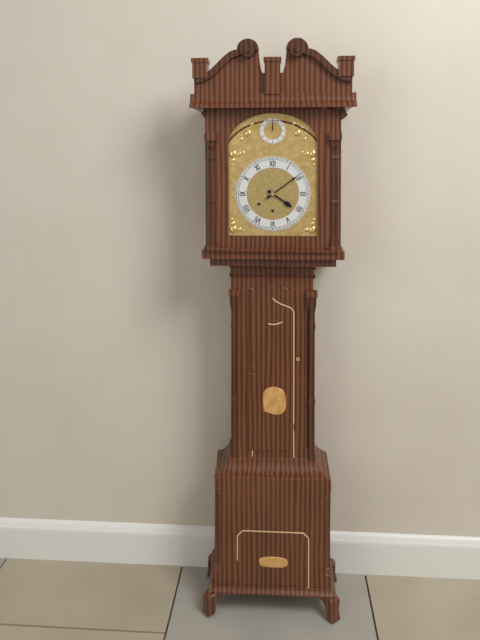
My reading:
4 h 09 min
